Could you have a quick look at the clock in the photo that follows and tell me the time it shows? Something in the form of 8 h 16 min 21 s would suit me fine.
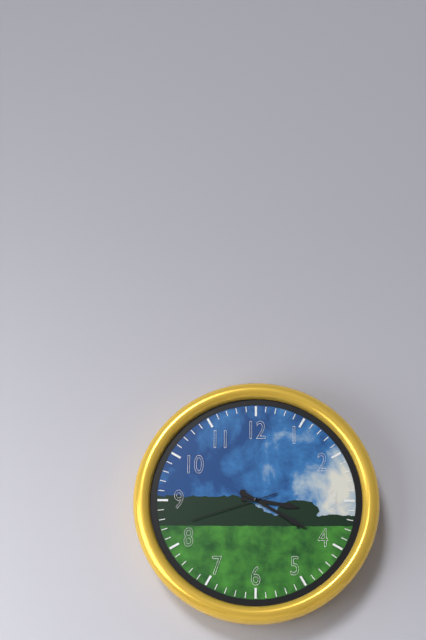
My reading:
3 h 20 min 42 s
